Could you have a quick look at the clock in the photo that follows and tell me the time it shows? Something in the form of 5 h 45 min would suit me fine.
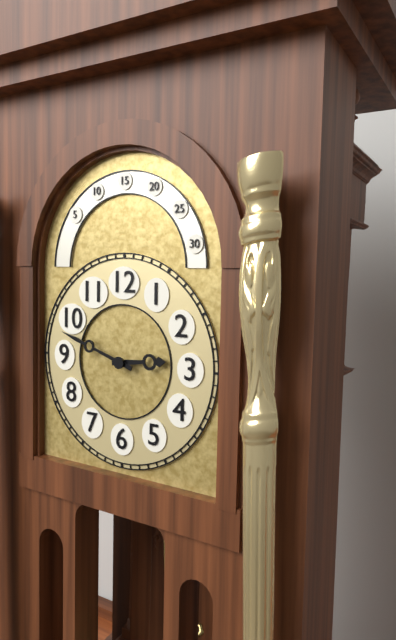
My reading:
2 h 48 min
